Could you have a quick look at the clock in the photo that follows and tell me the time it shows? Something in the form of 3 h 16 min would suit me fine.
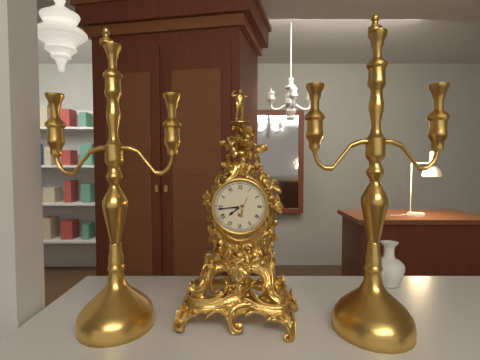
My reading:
7 h 44 min
